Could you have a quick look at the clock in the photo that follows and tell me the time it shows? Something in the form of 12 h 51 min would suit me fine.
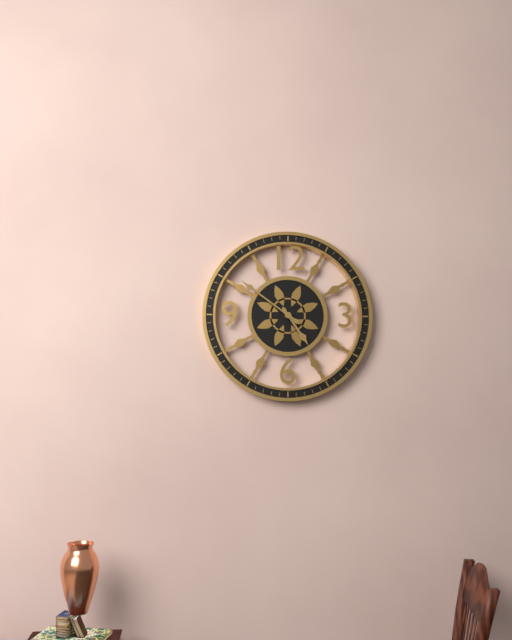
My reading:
4 h 51 min
